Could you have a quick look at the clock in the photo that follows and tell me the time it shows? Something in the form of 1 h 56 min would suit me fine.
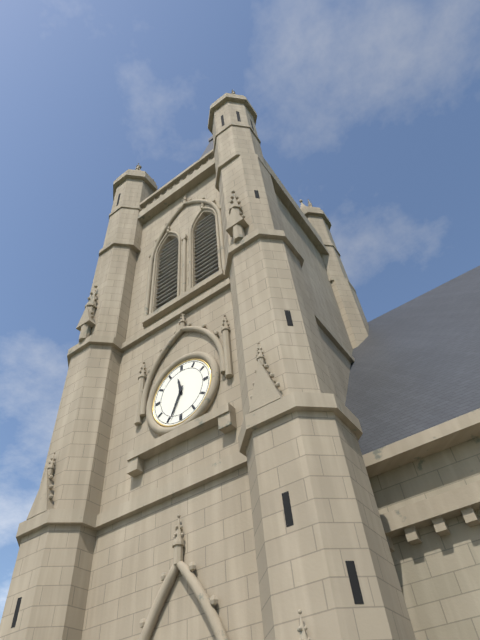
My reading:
11 h 34 min
